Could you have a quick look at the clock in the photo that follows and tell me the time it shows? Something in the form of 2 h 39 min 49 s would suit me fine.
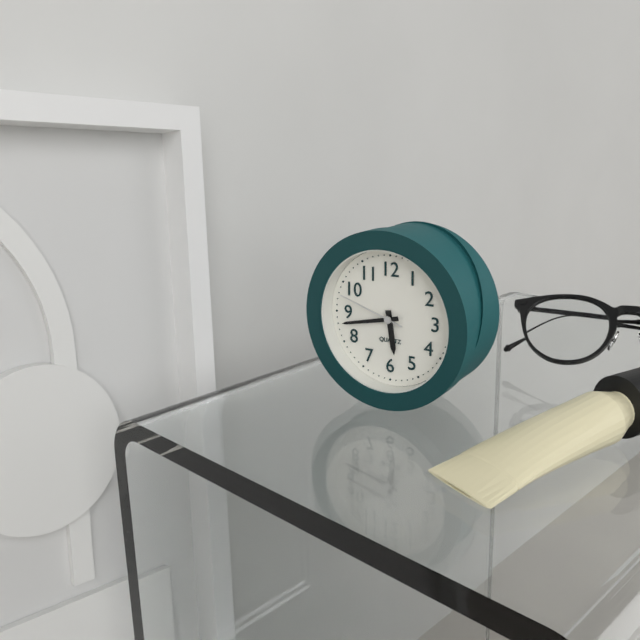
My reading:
5 h 43 min 48 s
